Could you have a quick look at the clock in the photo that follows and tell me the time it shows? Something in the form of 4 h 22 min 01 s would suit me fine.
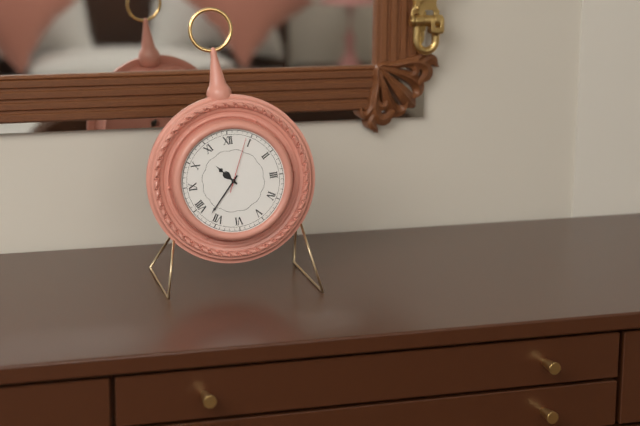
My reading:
10 h 37 min 04 s
